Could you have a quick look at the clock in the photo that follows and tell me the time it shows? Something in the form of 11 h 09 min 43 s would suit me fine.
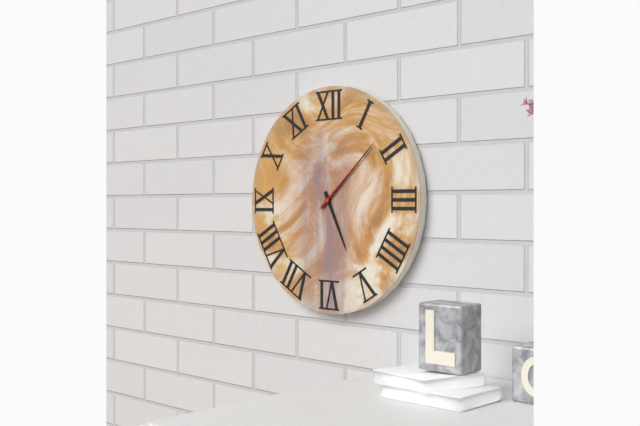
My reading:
5 h 08 min 08 s
